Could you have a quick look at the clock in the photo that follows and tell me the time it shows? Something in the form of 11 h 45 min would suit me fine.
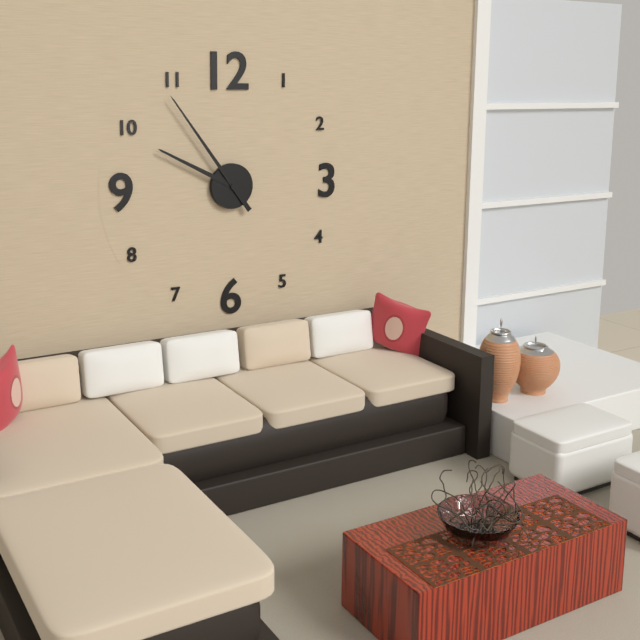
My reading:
9 h 54 min
